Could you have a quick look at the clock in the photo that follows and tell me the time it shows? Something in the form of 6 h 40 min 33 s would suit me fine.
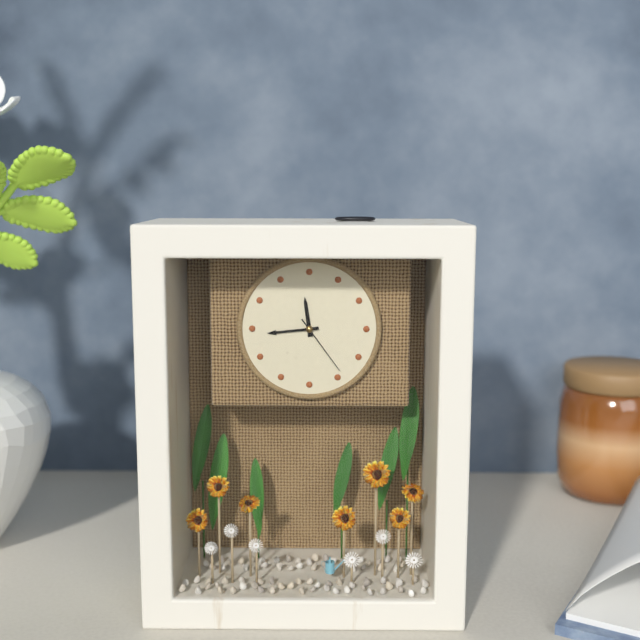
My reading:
11 h 44 min 24 s
